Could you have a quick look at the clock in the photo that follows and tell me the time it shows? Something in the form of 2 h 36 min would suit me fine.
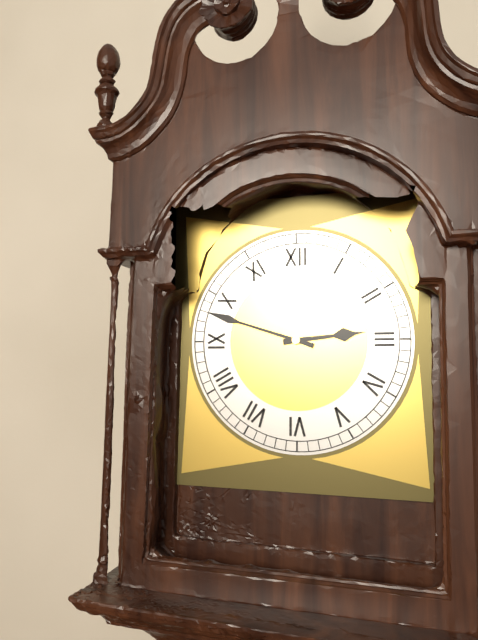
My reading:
2 h 48 min
